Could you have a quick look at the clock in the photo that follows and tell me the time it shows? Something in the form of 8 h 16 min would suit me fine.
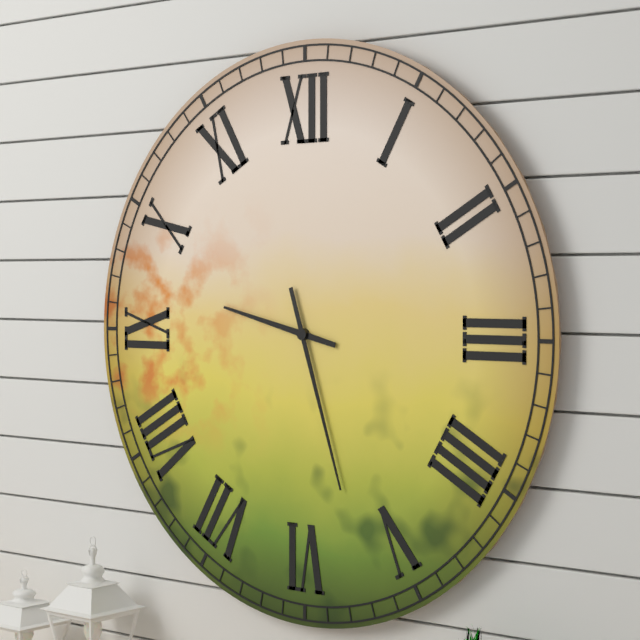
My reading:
9 h 27 min
